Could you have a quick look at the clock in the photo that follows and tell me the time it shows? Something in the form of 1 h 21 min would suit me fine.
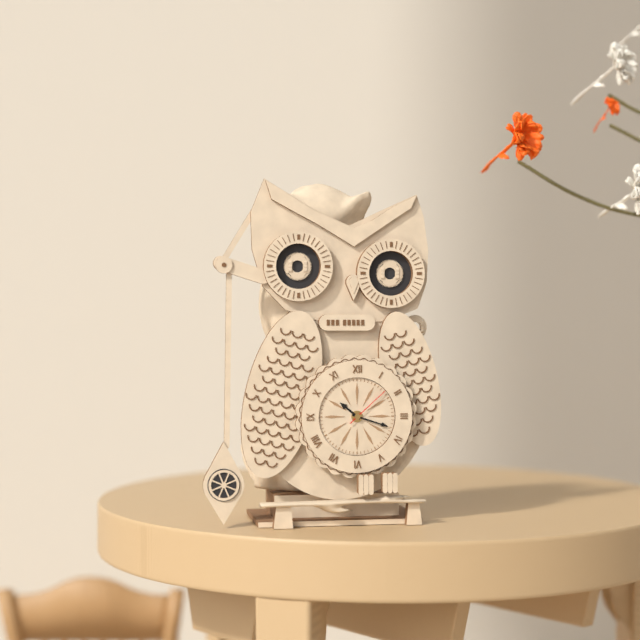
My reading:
10 h 18 min
